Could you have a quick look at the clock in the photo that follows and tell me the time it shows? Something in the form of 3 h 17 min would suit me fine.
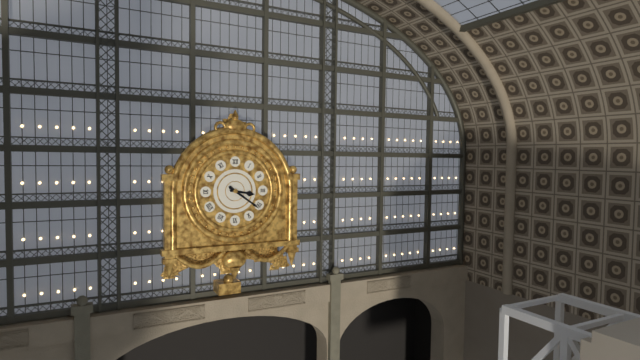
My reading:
3 h 21 min
